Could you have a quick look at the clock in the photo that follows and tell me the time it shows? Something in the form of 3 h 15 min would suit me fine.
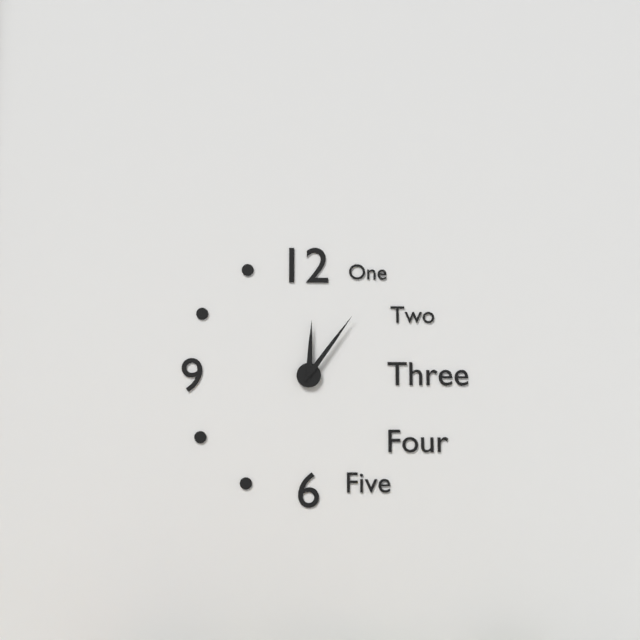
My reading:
12 h 06 min
